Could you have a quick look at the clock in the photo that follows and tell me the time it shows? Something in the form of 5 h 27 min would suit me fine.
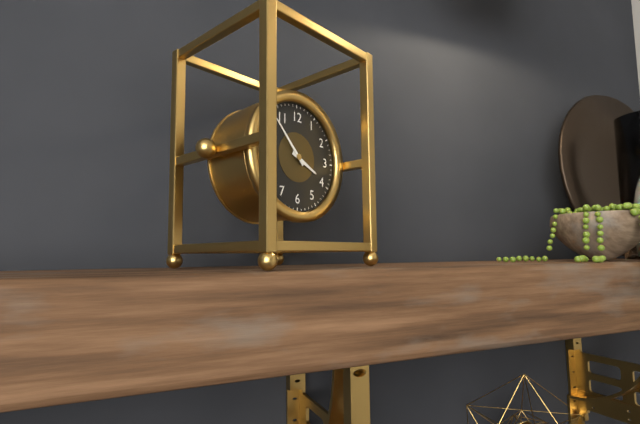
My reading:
3 h 53 min
